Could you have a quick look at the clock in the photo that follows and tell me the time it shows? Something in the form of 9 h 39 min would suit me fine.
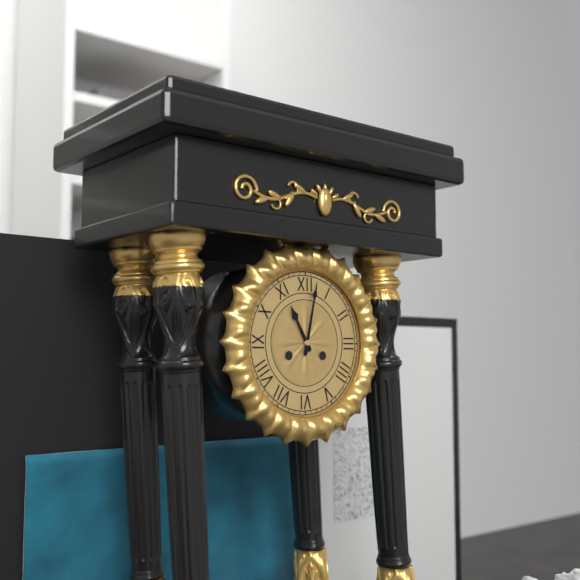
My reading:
11 h 02 min
